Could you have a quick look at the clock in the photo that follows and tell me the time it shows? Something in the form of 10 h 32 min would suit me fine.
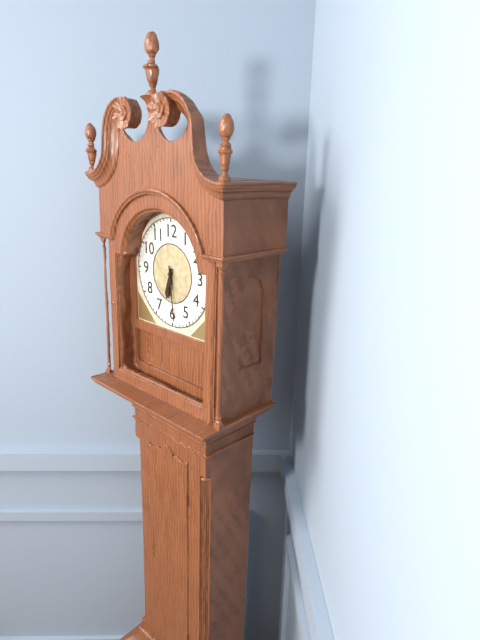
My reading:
6 h 29 min
